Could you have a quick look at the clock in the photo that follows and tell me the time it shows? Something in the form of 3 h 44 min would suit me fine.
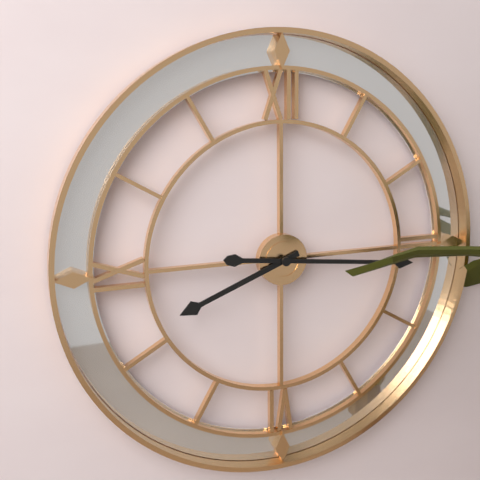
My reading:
8 h 16 min
